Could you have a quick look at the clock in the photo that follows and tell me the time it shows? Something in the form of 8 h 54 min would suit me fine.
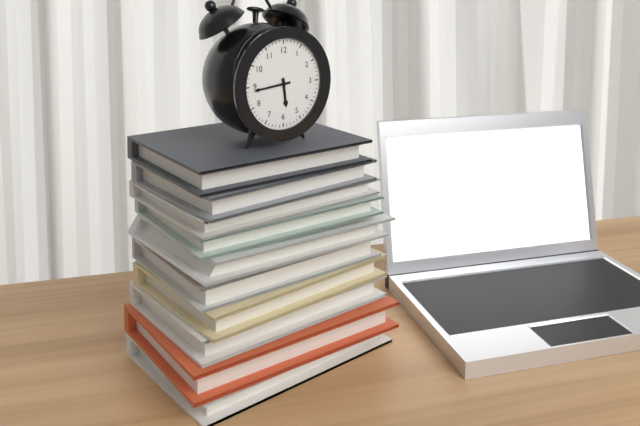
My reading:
5 h 44 min
